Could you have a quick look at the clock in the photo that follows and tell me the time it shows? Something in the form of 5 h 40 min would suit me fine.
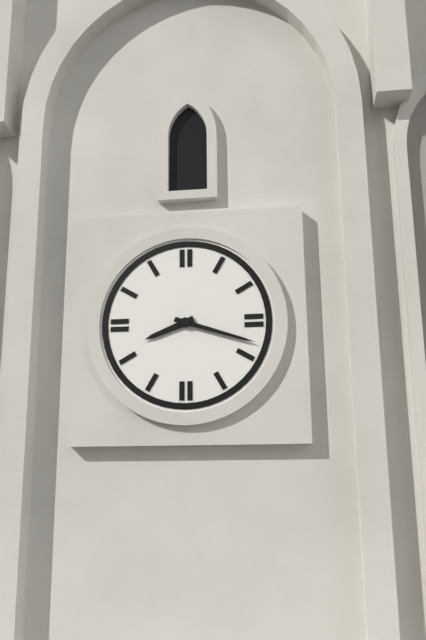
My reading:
8 h 18 min
